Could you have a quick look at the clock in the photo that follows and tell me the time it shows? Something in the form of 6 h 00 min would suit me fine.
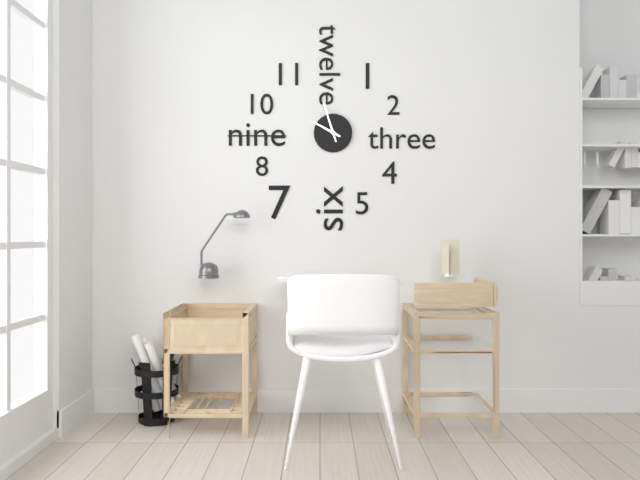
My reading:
9 h 57 min
